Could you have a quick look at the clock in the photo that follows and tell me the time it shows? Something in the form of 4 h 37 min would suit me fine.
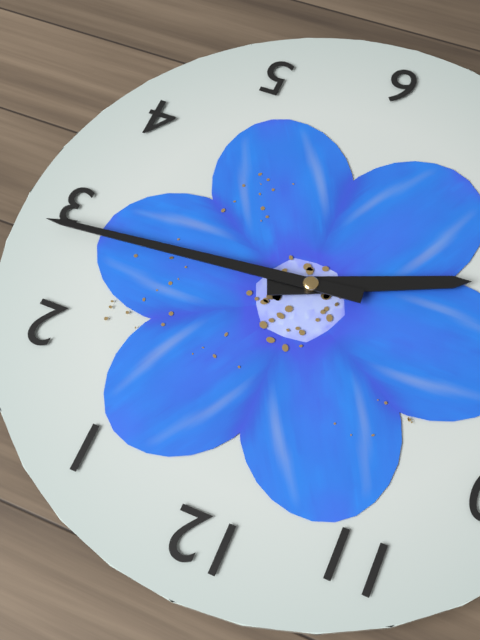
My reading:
8 h 14 min
